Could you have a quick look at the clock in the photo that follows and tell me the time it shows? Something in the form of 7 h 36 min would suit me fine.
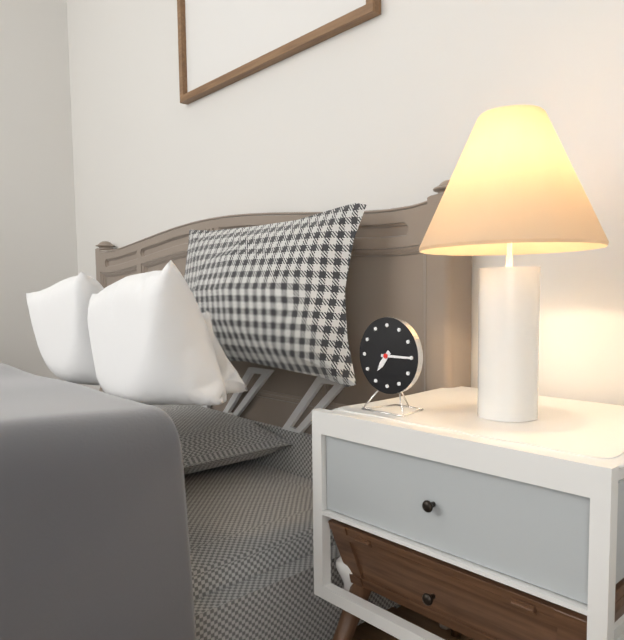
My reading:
7 h 15 min
